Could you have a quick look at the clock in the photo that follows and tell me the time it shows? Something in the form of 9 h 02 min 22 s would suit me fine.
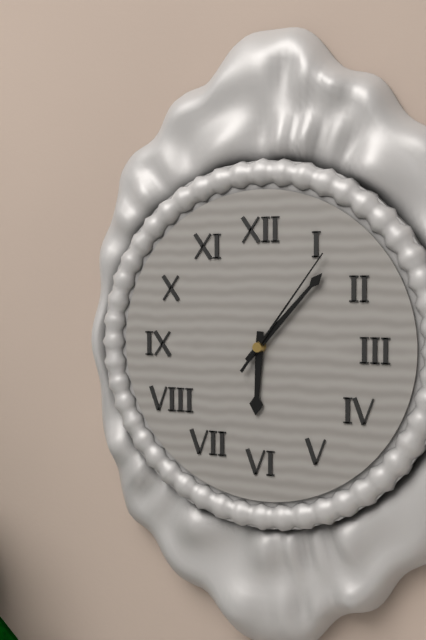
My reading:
6 h 07 min 06 s
